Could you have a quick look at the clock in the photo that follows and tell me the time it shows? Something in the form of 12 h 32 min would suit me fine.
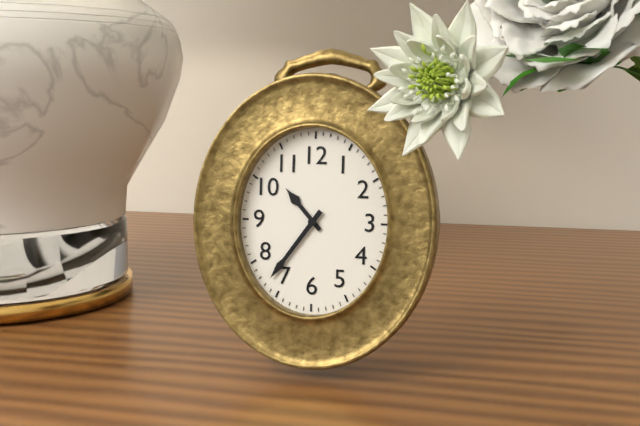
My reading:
10 h 36 min
